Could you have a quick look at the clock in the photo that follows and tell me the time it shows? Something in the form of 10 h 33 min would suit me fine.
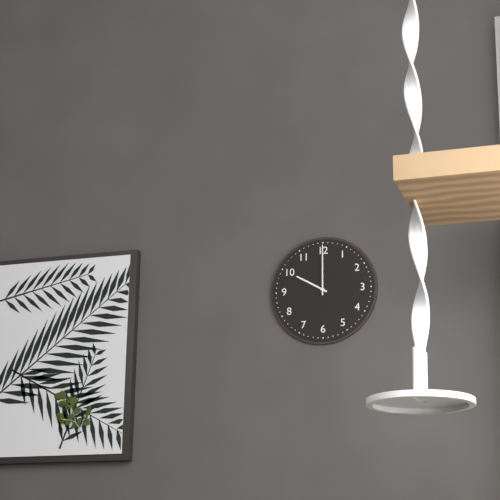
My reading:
10 h 00 min
